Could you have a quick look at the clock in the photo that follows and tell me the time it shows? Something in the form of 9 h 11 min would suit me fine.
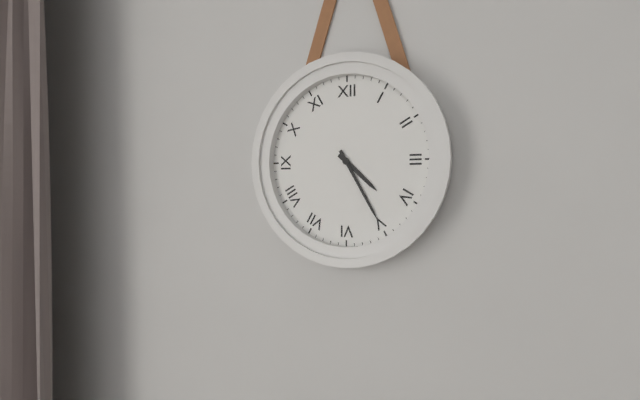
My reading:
4 h 25 min
